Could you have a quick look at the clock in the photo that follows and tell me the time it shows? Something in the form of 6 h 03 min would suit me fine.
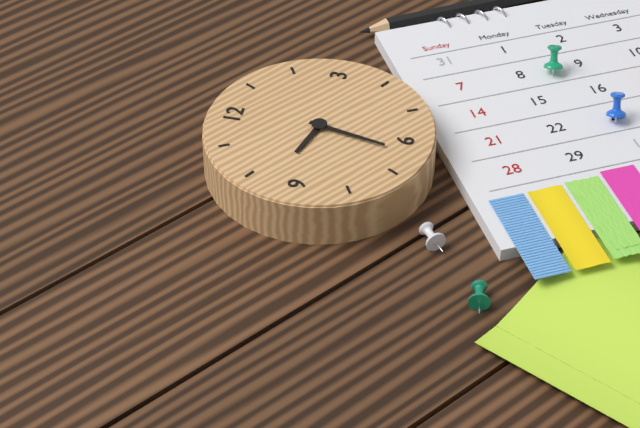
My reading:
9 h 32 min
